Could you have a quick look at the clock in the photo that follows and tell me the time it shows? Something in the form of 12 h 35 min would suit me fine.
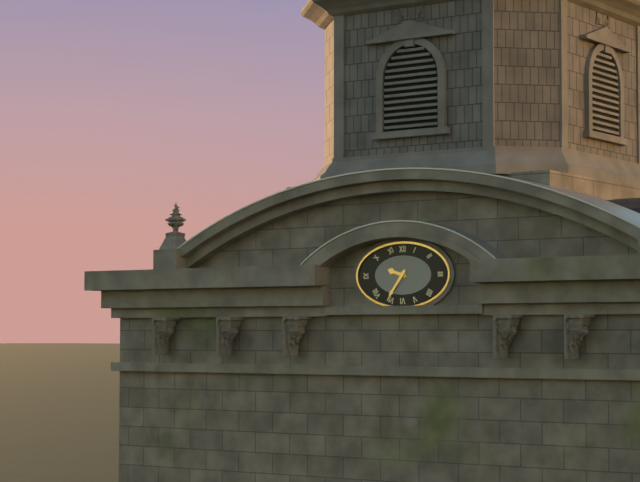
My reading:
9 h 36 min
